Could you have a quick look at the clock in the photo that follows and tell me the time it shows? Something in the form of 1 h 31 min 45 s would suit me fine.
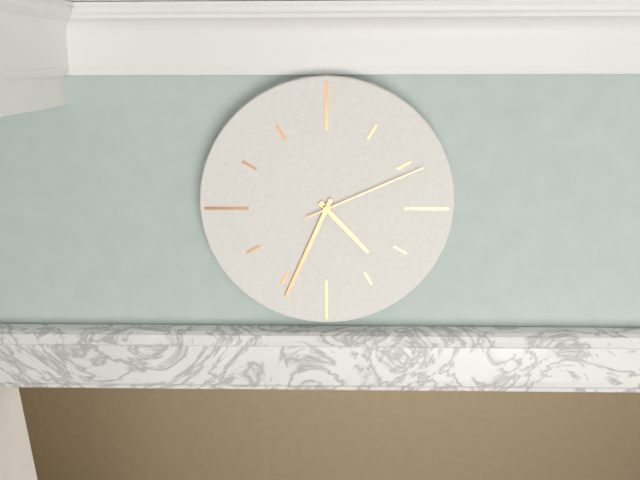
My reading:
4 h 34 min 11 s
